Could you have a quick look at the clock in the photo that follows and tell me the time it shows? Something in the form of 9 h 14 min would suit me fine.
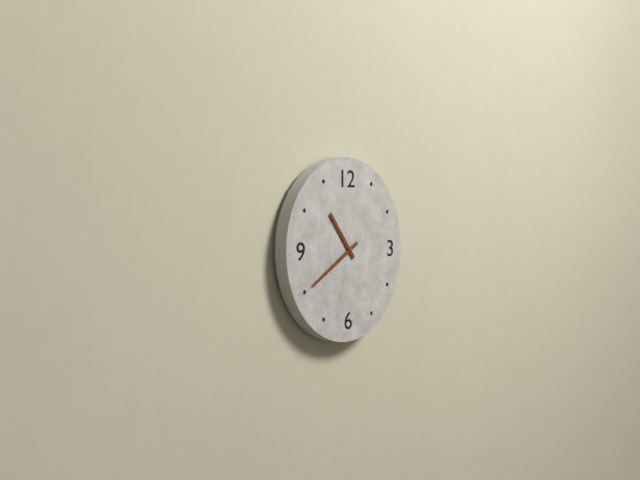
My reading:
10 h 40 min
